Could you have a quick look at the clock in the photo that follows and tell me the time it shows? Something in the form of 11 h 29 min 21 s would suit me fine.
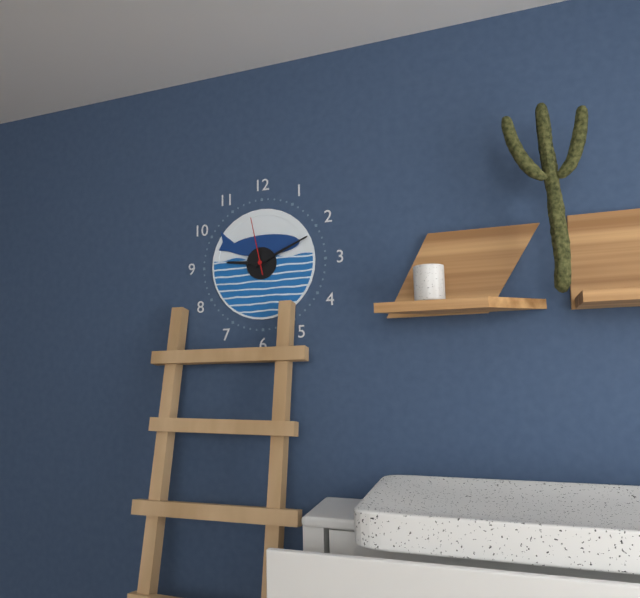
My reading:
9 h 11 min 58 s
